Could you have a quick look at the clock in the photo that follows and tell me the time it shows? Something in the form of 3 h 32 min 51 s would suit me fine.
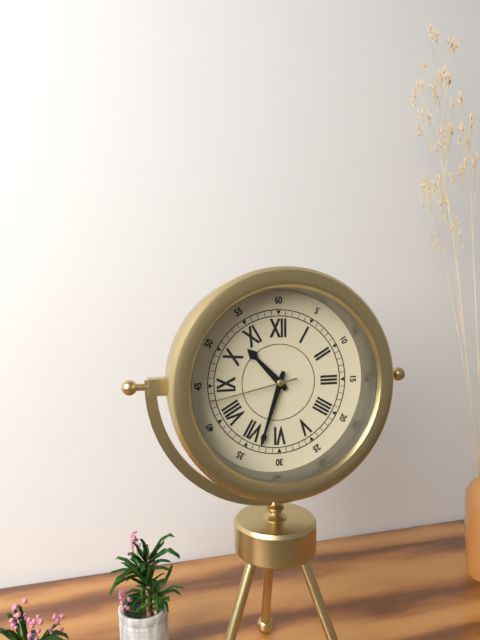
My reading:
10 h 33 min 43 s
